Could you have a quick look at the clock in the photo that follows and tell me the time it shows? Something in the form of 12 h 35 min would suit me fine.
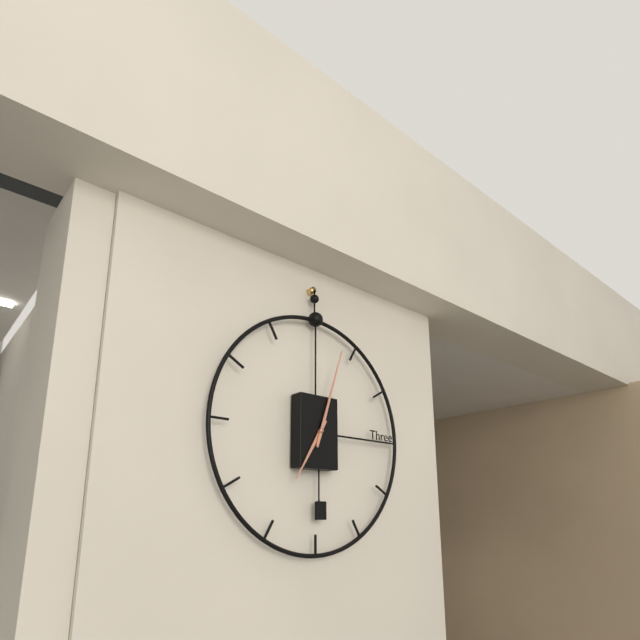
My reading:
7 h 03 min
